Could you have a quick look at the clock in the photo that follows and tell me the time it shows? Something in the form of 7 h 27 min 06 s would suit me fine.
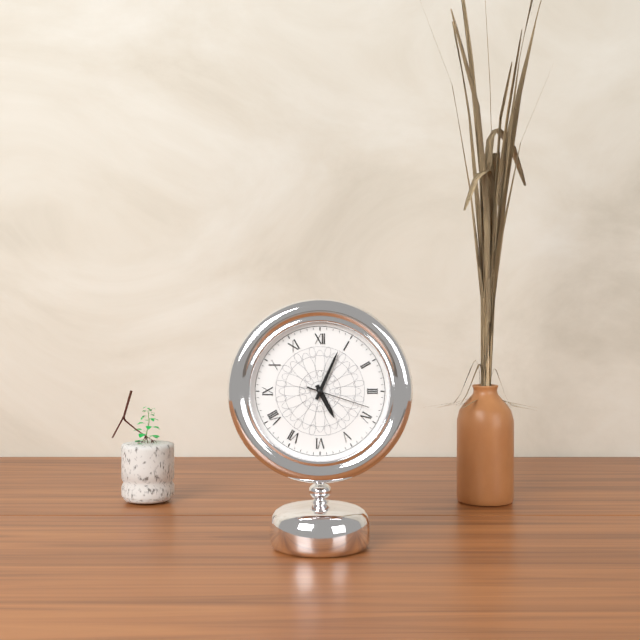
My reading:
5 h 04 min 18 s
